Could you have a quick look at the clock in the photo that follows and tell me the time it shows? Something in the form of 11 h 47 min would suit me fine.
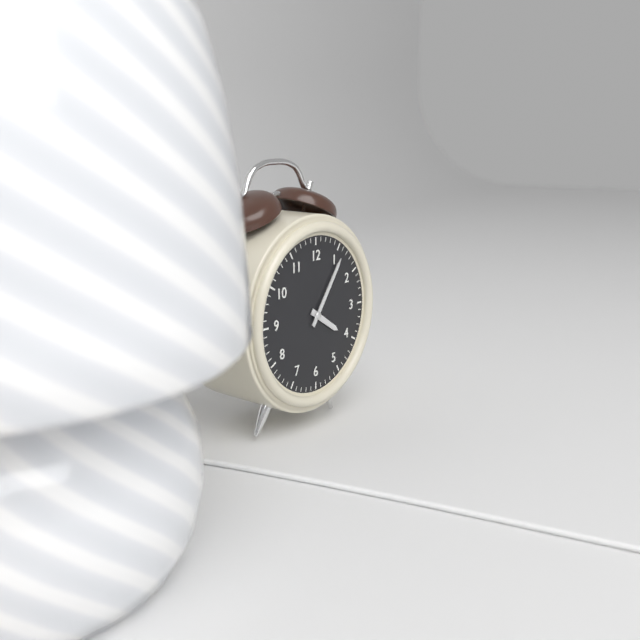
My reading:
4 h 06 min
